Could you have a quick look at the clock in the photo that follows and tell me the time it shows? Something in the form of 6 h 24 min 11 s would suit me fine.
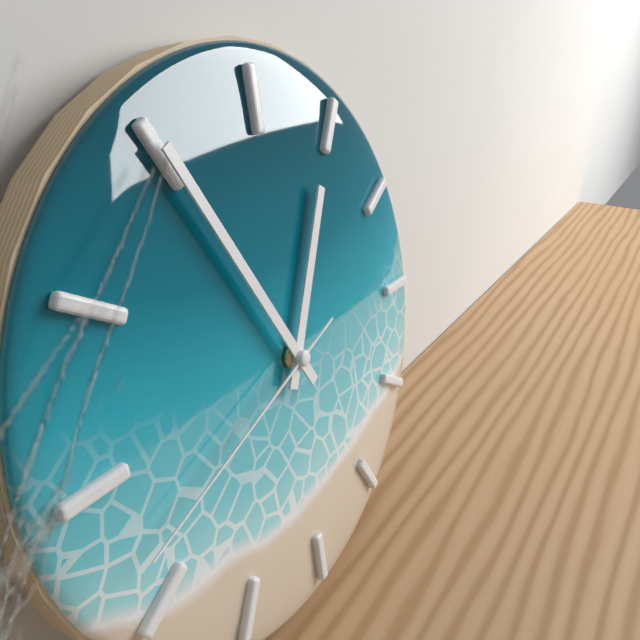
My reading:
12 h 55 min 42 s
